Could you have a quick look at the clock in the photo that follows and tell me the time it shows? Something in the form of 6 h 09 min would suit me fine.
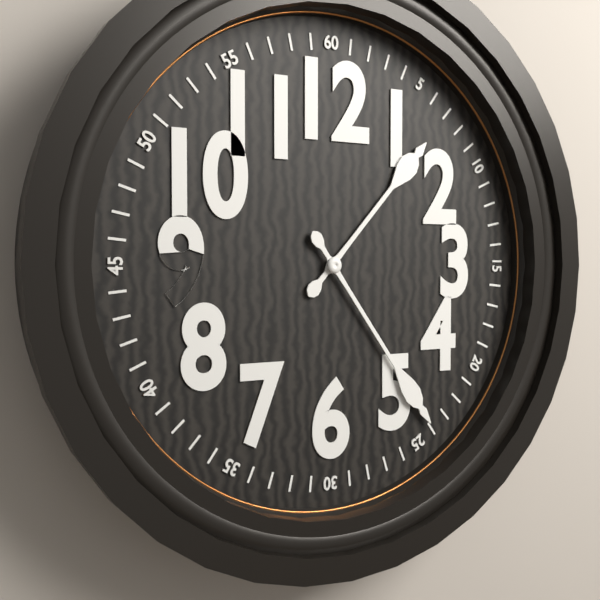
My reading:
1 h 24 min
